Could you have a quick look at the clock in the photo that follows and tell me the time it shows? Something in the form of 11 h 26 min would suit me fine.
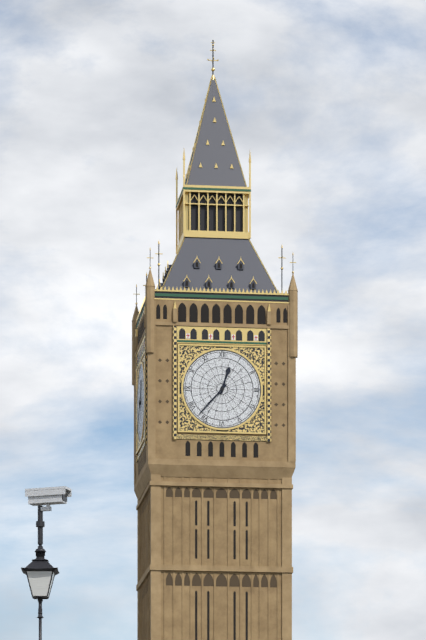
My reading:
12 h 37 min
